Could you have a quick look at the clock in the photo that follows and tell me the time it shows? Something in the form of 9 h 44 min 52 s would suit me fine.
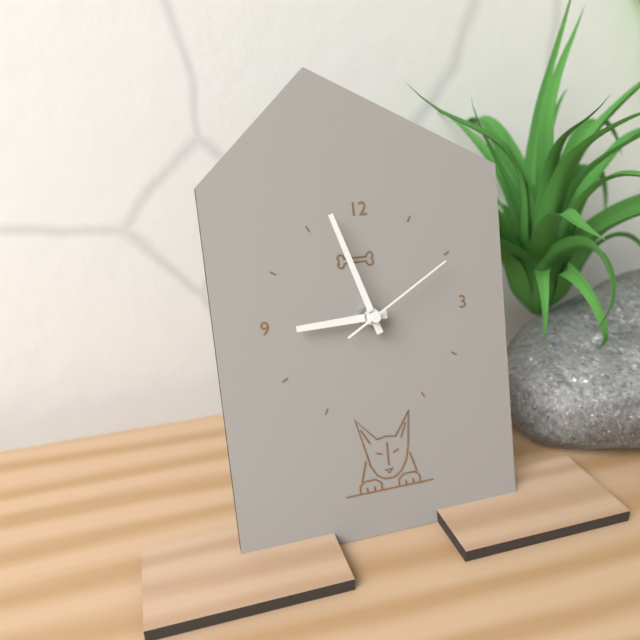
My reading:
8 h 57 min 10 s
